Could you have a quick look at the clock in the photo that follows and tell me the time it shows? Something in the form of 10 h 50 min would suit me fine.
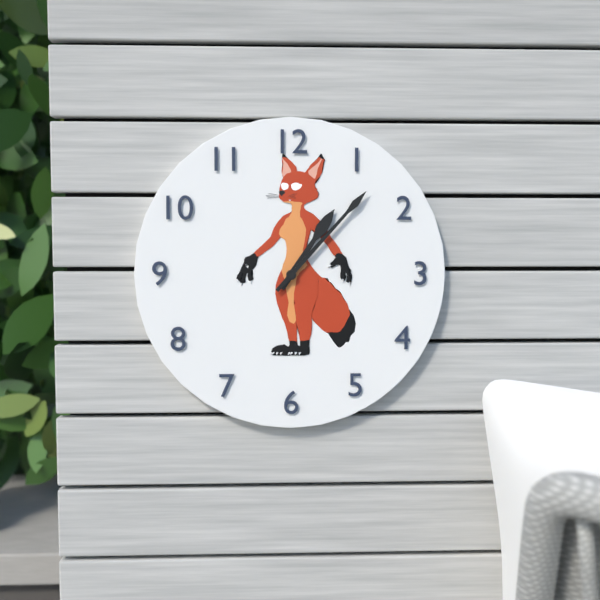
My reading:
1 h 07 min
